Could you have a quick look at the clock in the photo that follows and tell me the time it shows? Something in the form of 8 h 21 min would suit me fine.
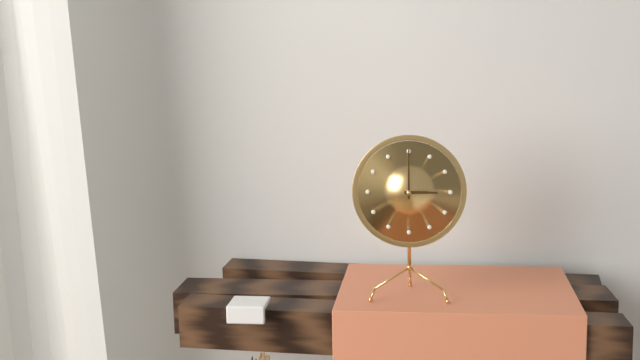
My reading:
3 h 00 min
